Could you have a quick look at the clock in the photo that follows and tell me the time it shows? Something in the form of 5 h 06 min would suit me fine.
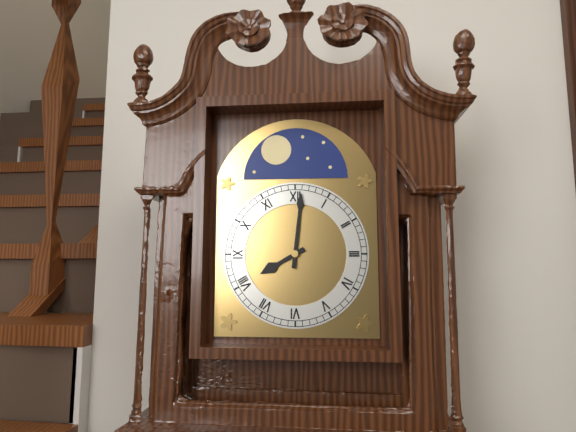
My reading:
8 h 01 min
